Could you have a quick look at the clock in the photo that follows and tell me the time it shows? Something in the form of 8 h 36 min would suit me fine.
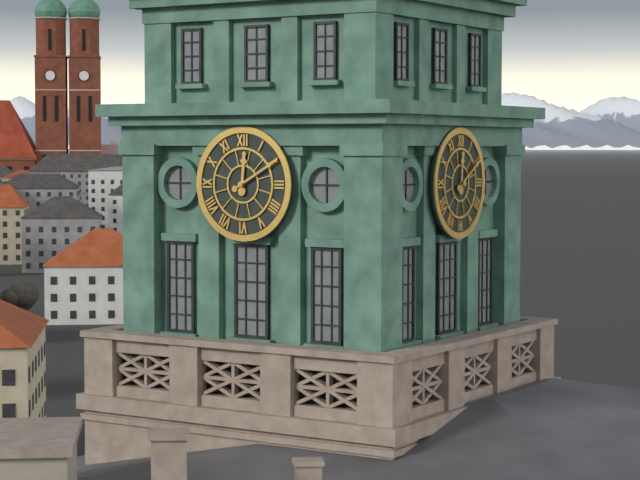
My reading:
12 h 10 min
